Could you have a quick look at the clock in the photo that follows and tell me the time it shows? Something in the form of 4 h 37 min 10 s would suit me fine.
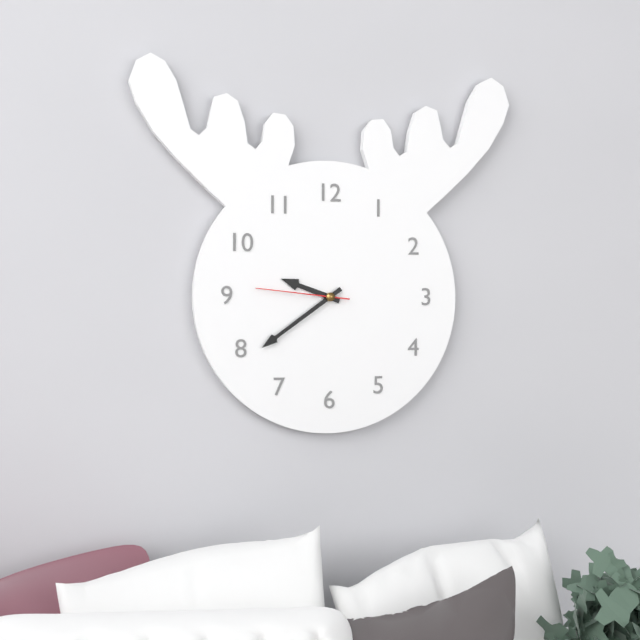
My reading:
9 h 39 min 46 s
